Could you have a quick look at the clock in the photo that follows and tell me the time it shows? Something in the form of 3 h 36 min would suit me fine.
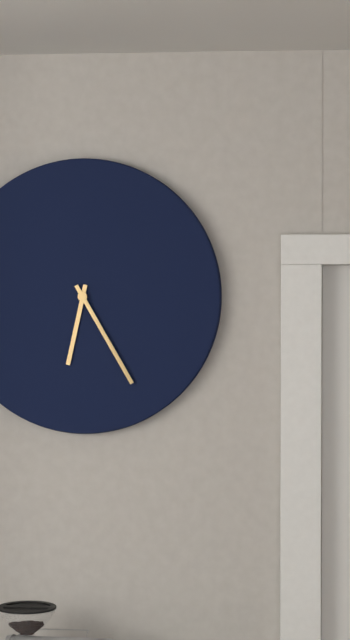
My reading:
6 h 25 min
